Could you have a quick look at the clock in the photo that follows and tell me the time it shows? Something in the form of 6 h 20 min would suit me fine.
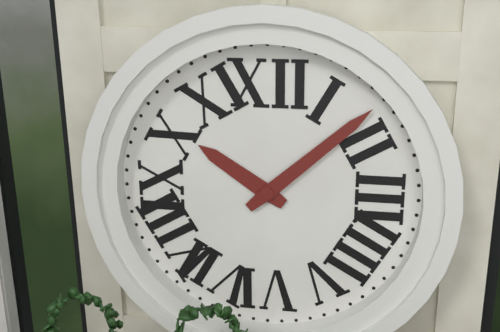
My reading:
10 h 08 min
